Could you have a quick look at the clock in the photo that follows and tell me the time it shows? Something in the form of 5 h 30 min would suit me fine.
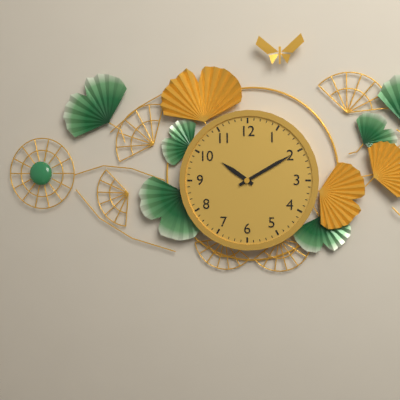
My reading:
10 h 10 min
